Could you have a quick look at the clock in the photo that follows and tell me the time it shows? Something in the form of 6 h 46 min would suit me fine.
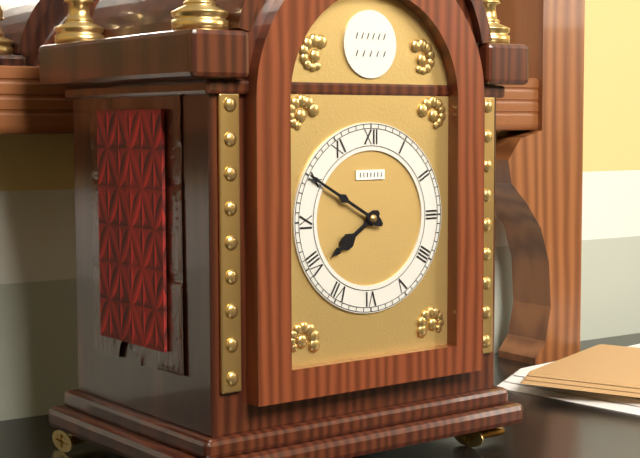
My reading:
7 h 50 min
